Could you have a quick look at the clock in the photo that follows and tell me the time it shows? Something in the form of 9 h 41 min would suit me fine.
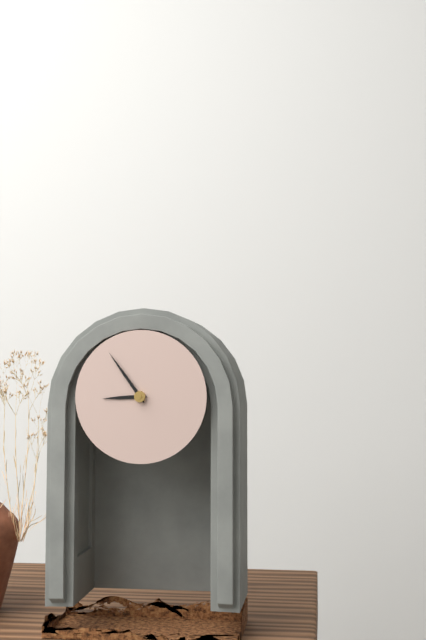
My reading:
8 h 54 min
